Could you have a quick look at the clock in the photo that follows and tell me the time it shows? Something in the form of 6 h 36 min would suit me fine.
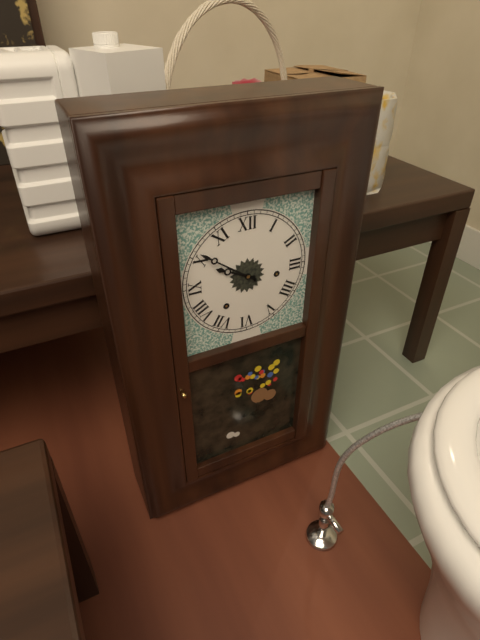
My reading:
9 h 51 min
